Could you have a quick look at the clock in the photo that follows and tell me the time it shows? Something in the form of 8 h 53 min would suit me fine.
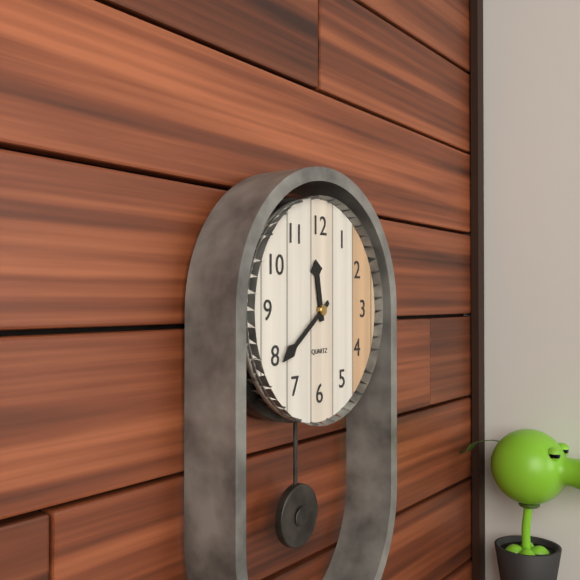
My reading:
11 h 39 min
